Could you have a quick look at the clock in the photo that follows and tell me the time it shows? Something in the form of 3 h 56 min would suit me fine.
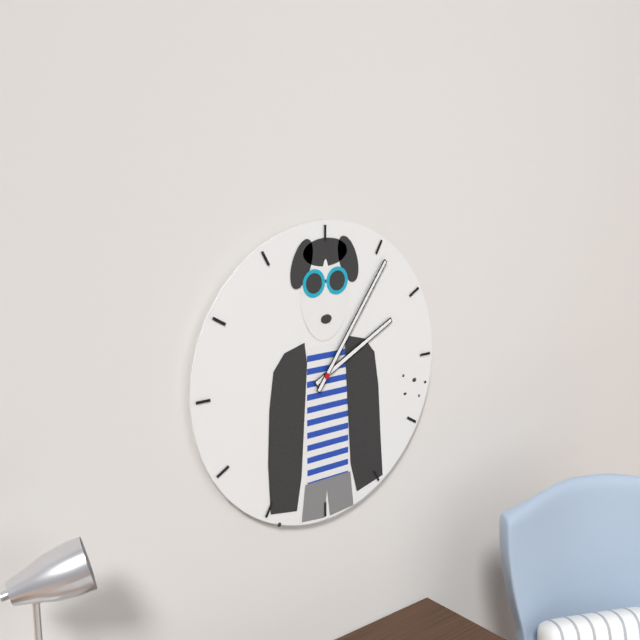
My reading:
2 h 06 min
